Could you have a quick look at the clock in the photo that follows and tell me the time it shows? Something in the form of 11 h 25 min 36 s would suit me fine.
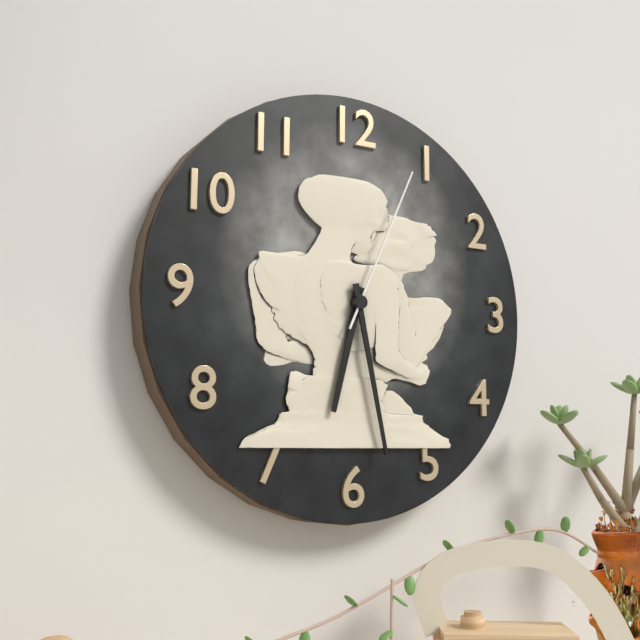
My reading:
6 h 28 min 04 s
